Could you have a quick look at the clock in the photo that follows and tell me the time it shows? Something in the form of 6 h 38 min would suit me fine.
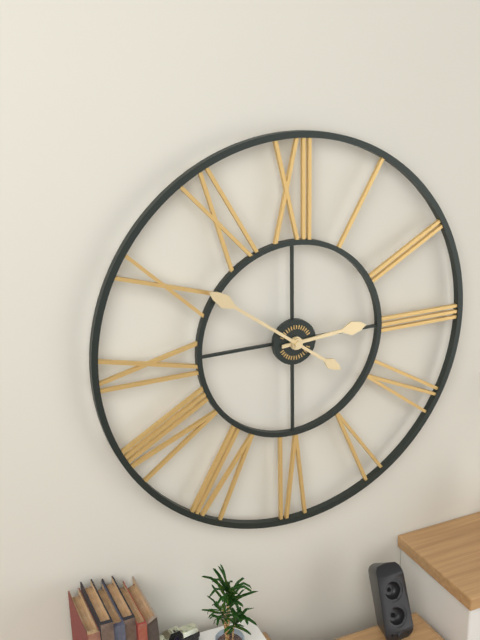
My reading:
2 h 51 min
